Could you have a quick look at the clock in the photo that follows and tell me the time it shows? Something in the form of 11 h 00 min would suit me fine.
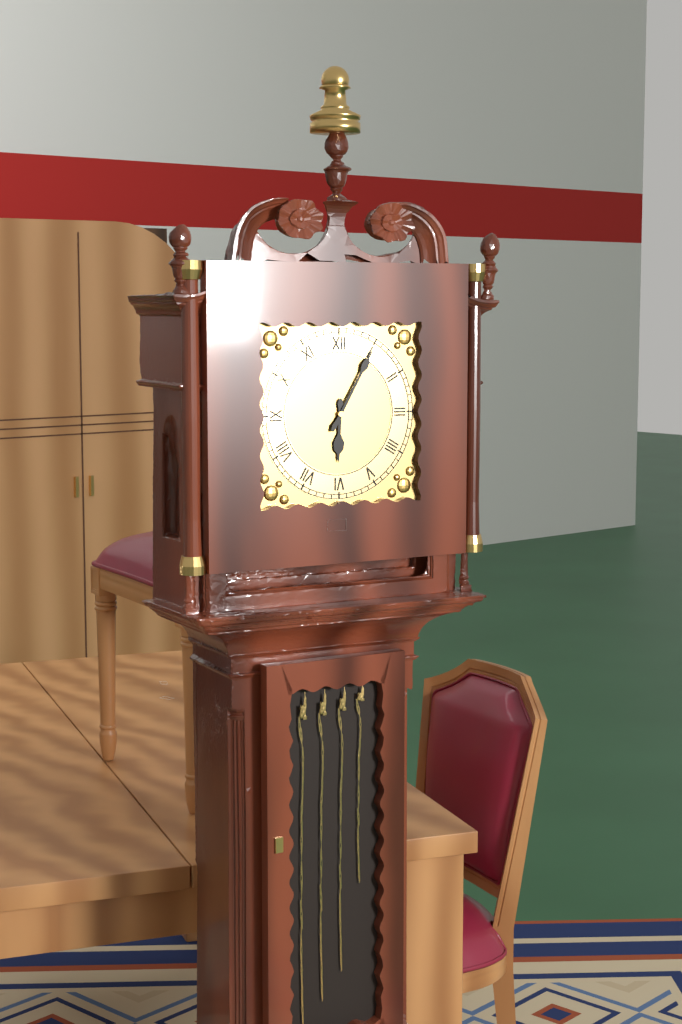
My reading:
6 h 05 min
